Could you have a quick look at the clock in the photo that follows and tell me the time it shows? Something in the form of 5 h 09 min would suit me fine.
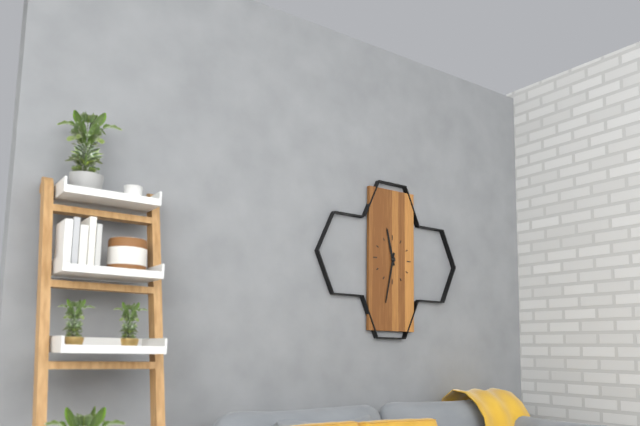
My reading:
11 h 32 min
